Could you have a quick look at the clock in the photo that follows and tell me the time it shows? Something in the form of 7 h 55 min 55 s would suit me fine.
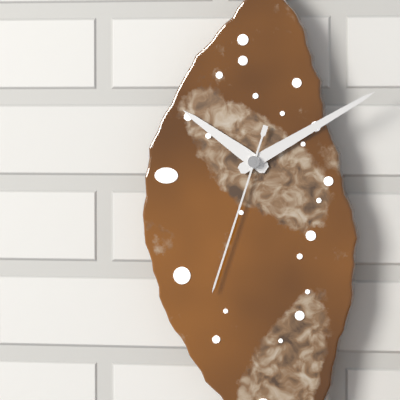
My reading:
10 h 10 min 33 s
